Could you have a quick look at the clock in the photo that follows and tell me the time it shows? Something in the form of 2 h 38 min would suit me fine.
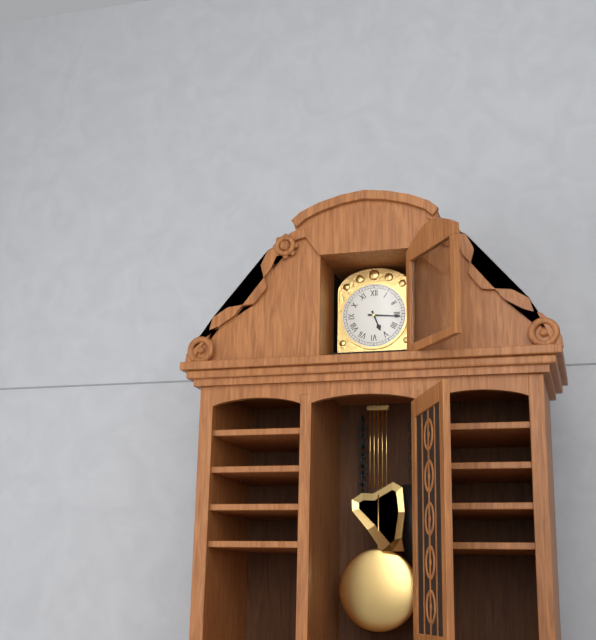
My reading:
5 h 16 min
